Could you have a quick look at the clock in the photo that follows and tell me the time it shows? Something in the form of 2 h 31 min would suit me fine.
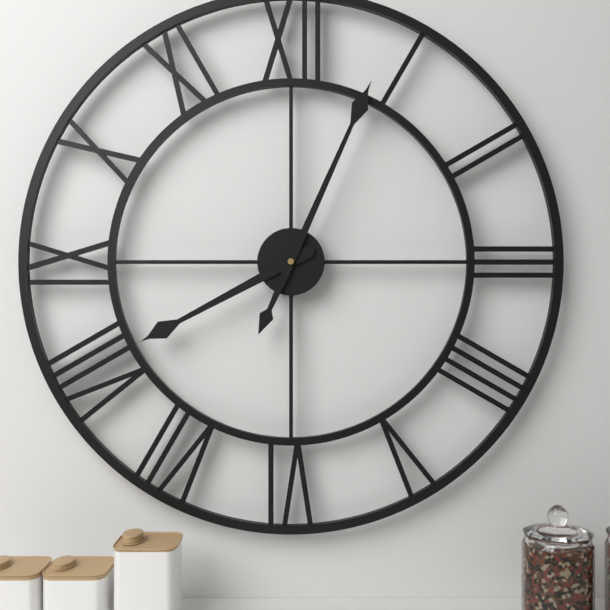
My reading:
8 h 04 min
